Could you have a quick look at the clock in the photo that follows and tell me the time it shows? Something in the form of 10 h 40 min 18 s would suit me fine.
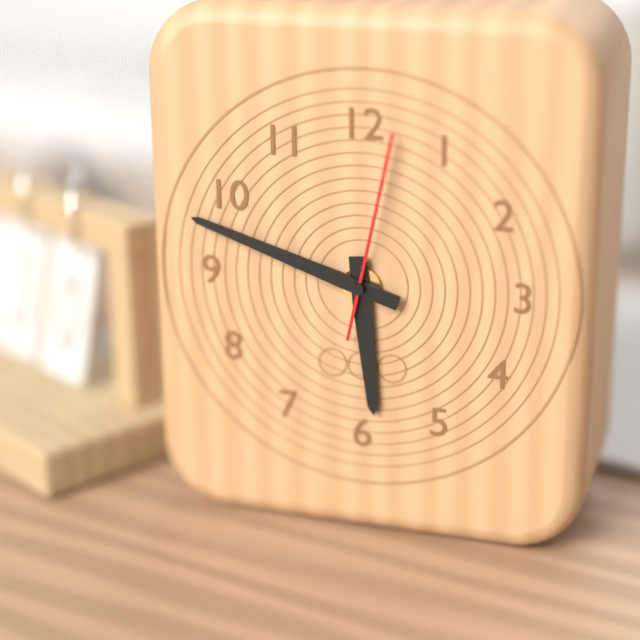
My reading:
5 h 48 min 02 s
